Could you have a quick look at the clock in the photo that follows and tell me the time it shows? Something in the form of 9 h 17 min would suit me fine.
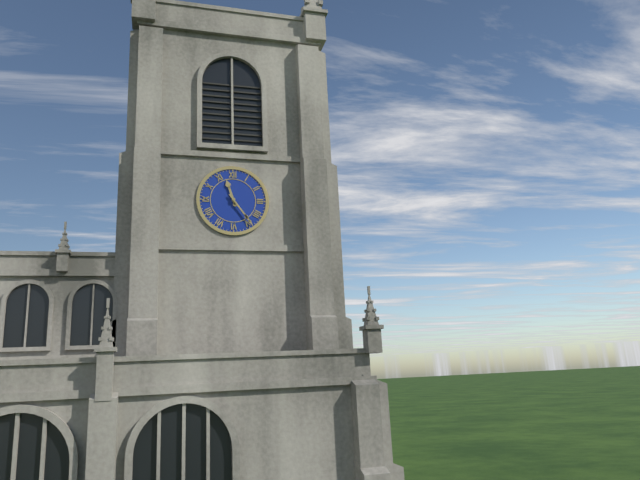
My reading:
11 h 24 min
